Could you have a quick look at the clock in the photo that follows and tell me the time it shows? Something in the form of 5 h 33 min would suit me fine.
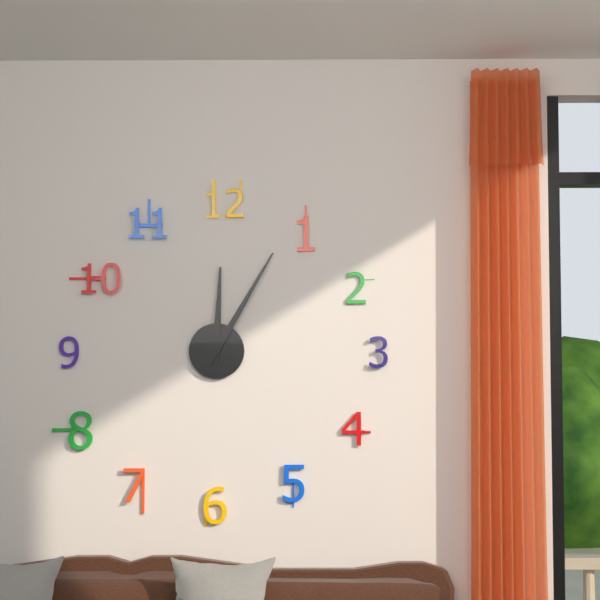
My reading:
12 h 05 min
